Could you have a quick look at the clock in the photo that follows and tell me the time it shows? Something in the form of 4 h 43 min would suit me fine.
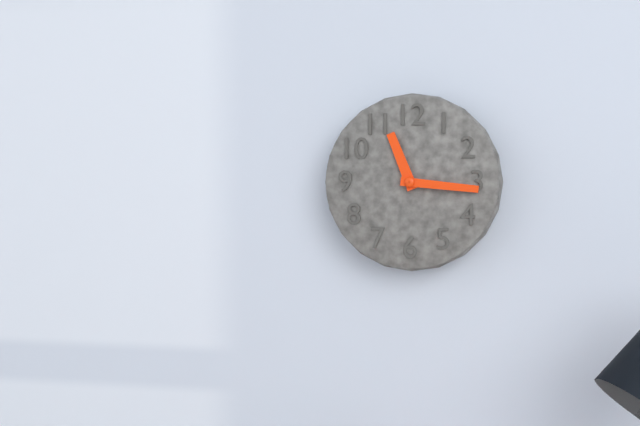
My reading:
11 h 16 min
